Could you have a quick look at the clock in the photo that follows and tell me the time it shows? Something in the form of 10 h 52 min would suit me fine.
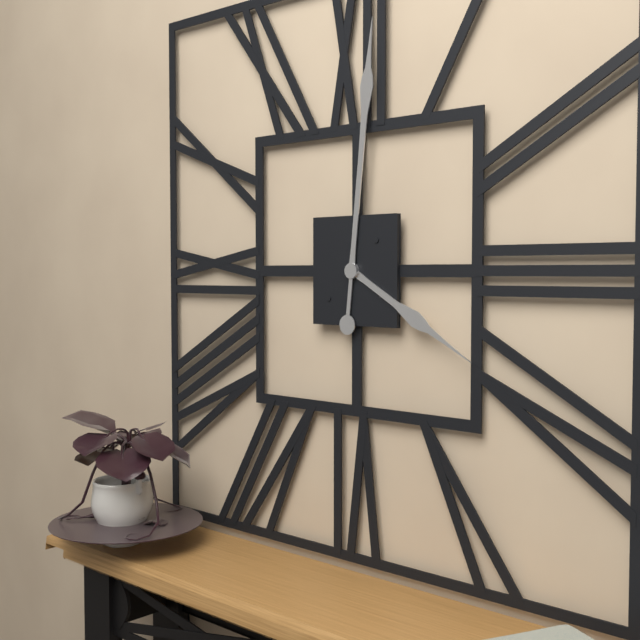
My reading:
4 h 01 min
